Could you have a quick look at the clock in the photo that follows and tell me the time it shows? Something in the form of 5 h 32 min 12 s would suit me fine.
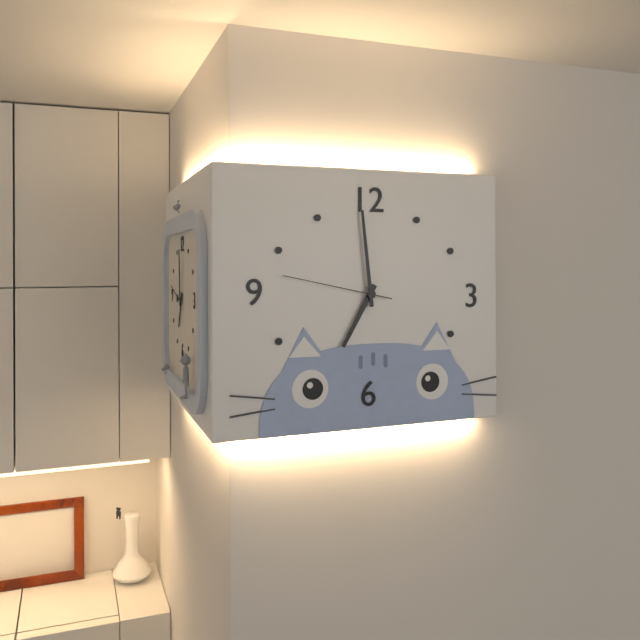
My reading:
6 h 59 min 47 s
